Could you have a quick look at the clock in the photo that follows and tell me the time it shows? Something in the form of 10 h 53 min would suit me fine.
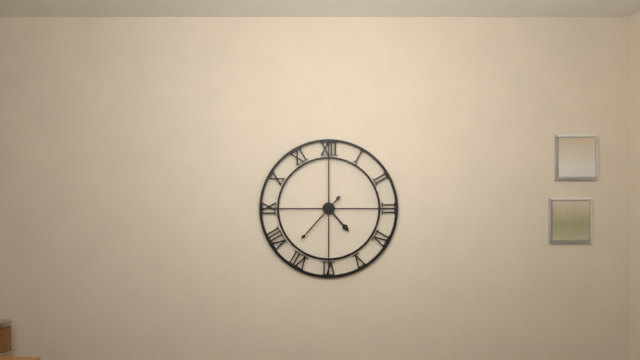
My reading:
4 h 37 min
